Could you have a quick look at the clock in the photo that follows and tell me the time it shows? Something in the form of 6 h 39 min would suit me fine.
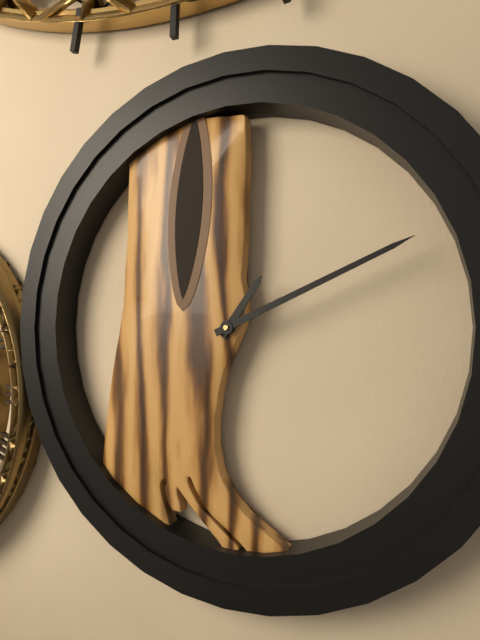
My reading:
1 h 11 min
